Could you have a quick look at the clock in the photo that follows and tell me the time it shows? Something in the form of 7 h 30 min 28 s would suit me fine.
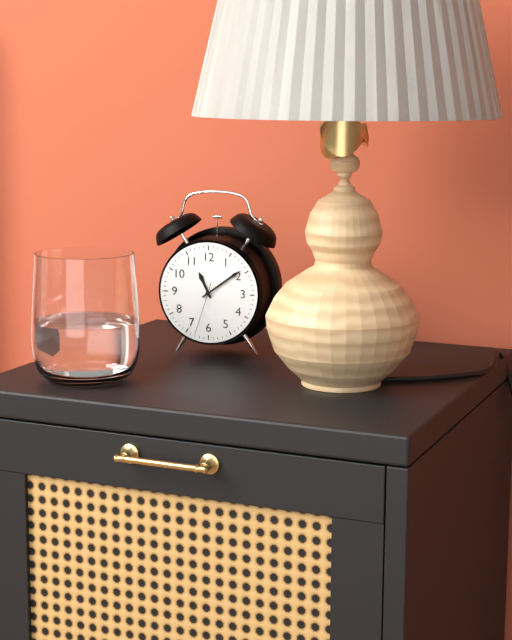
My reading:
11 h 09 min 33 s
